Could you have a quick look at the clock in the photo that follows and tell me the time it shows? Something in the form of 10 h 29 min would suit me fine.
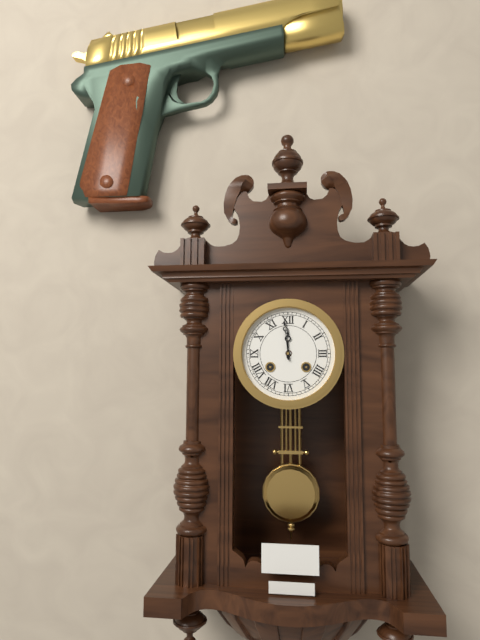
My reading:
11 h 59 min
